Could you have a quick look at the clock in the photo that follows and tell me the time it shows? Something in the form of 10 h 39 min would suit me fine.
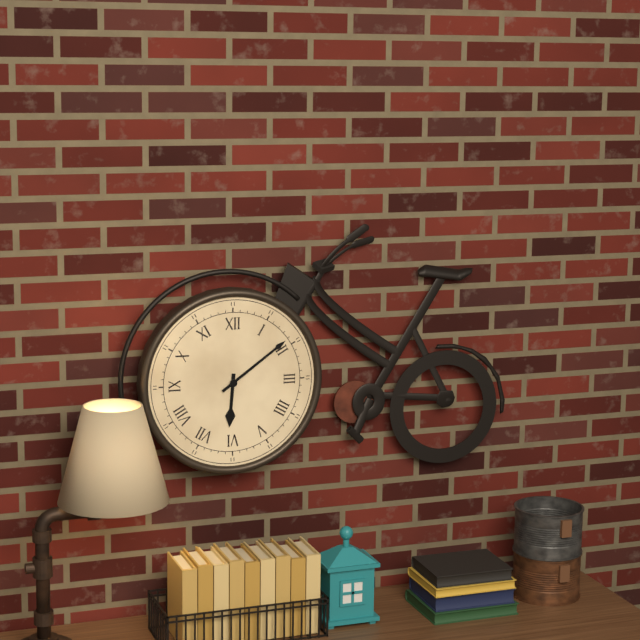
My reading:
6 h 09 min
